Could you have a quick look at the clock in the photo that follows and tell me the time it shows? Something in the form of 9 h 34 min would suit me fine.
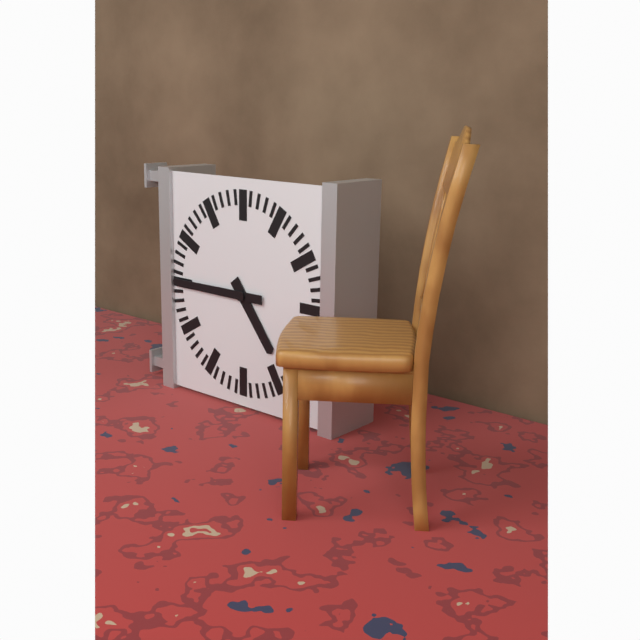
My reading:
4 h 45 min
